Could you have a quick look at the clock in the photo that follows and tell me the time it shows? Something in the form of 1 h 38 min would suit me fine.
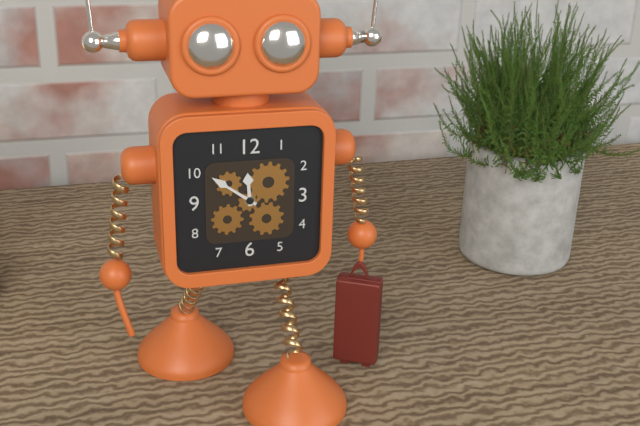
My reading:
11 h 51 min
